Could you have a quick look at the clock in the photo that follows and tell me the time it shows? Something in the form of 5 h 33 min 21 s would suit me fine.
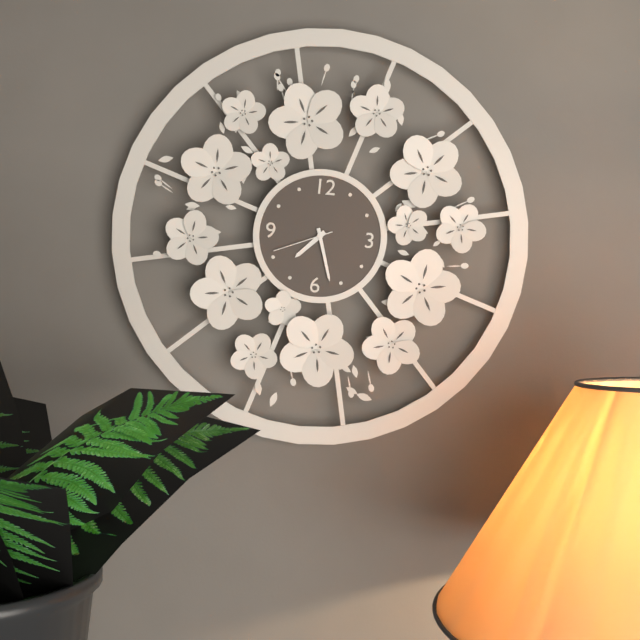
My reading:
7 h 27 min 41 s
